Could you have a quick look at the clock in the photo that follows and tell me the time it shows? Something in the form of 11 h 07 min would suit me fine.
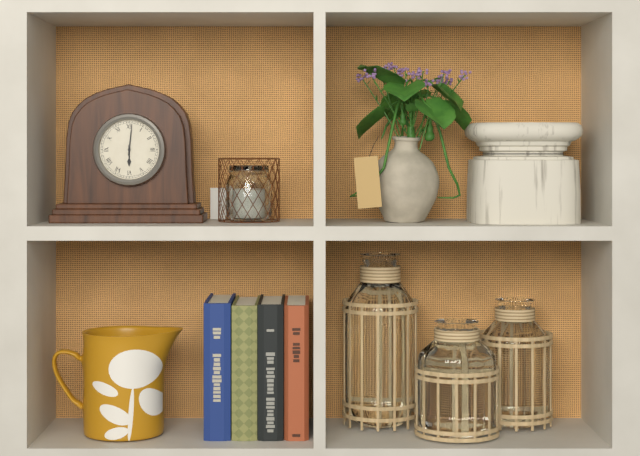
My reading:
6 h 01 min
